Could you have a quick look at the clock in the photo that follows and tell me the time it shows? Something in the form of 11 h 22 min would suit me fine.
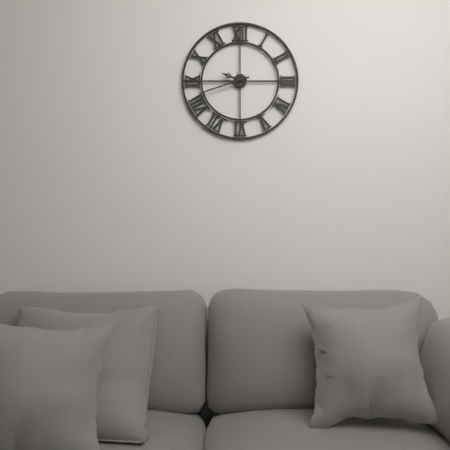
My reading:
9 h 42 min
